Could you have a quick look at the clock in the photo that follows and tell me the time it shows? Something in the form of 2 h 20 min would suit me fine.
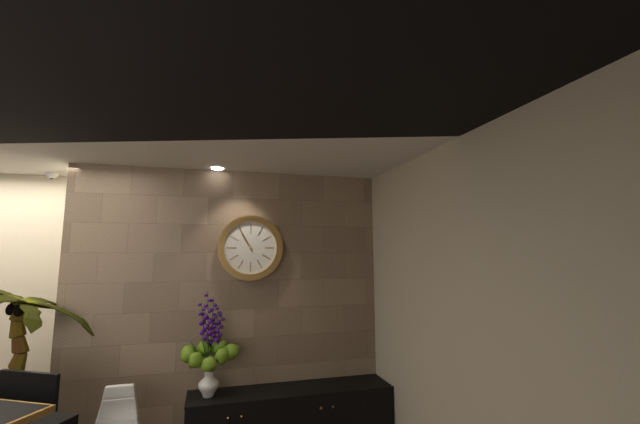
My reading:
10 h 55 min
